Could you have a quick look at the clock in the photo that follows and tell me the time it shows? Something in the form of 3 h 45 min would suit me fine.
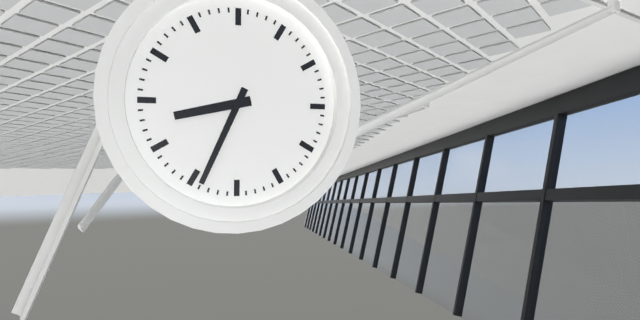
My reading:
8 h 34 min
